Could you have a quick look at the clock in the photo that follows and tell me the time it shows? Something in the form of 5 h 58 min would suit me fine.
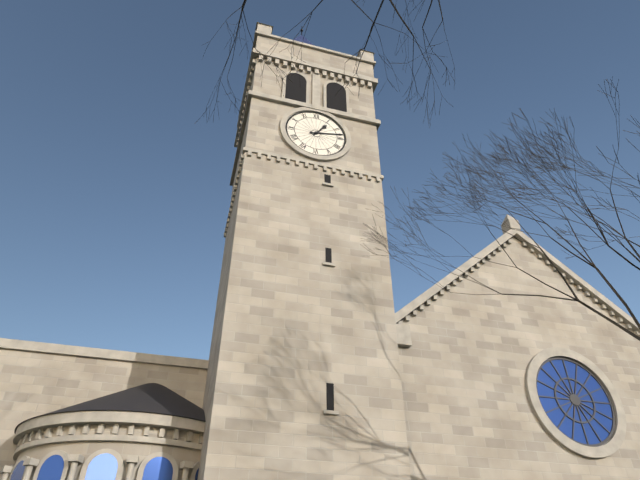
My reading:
1 h 13 min
